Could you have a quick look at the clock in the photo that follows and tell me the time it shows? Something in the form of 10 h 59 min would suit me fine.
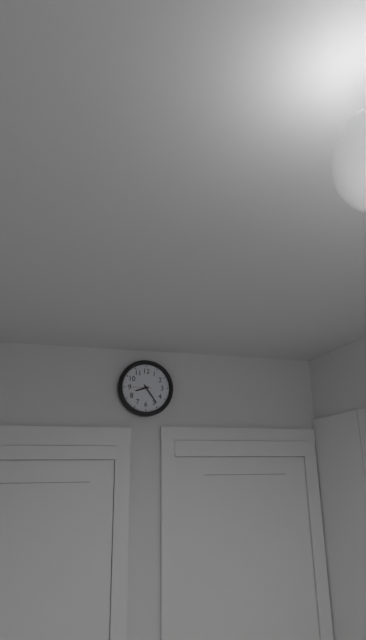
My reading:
8 h 24 min
